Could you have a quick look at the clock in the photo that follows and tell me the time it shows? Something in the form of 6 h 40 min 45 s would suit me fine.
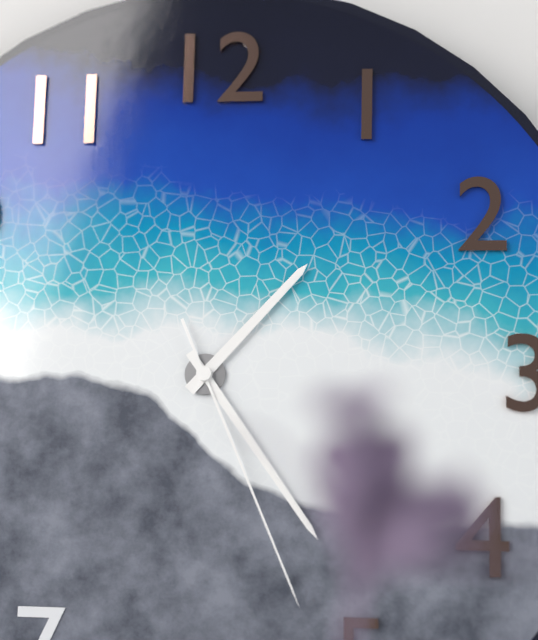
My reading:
1 h 24 min 26 s
